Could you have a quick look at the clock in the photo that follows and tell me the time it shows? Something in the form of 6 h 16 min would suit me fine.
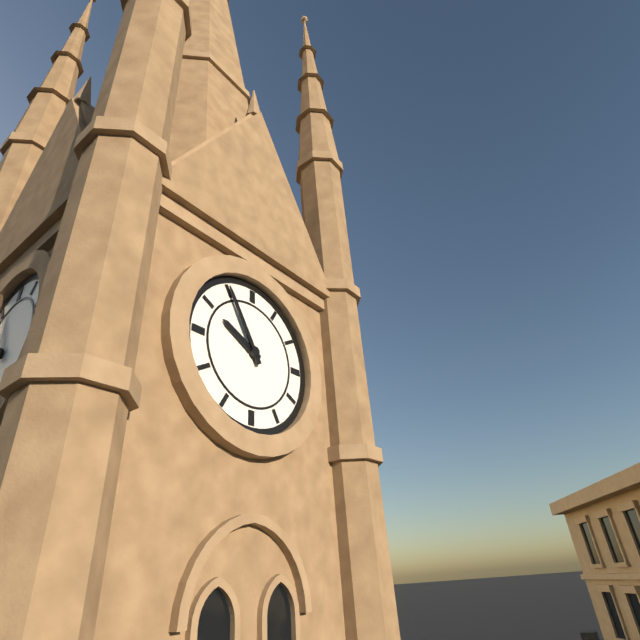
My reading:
9 h 55 min
